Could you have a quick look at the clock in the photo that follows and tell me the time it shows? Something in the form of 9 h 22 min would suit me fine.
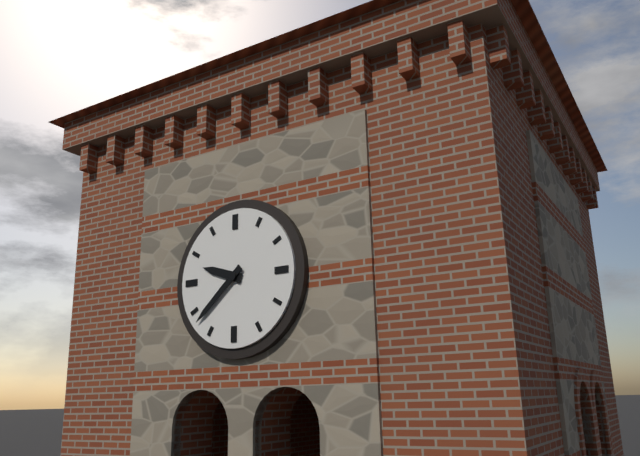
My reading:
9 h 38 min
